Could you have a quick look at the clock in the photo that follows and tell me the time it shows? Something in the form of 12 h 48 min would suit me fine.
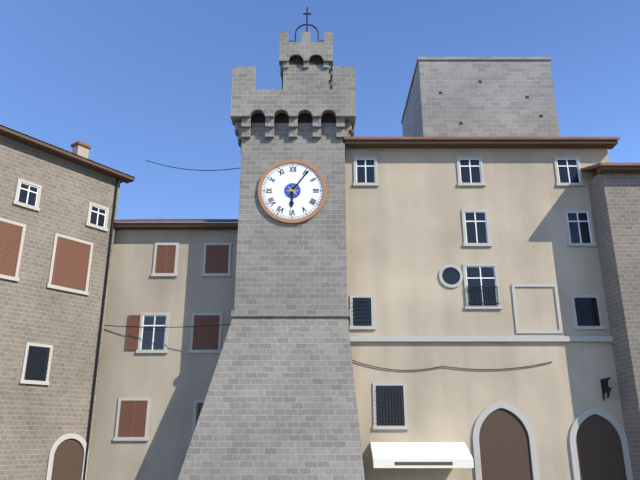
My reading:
6 h 06 min
